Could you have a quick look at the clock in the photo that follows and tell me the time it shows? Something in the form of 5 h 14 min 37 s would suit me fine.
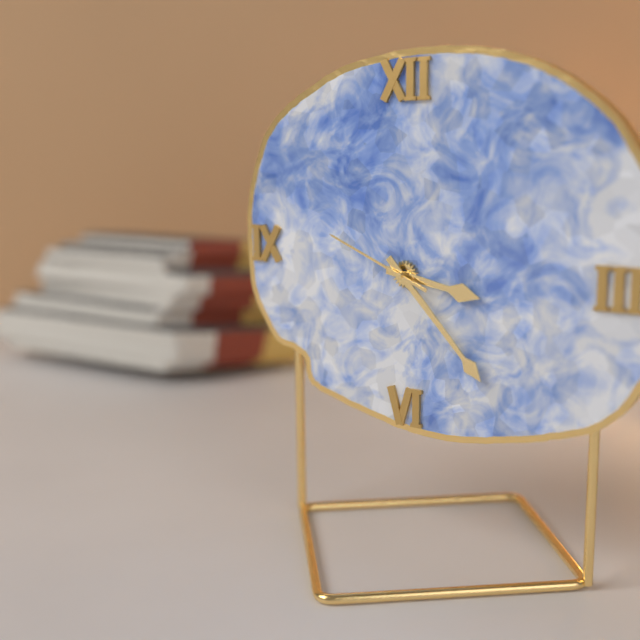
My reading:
3 h 23 min 49 s
